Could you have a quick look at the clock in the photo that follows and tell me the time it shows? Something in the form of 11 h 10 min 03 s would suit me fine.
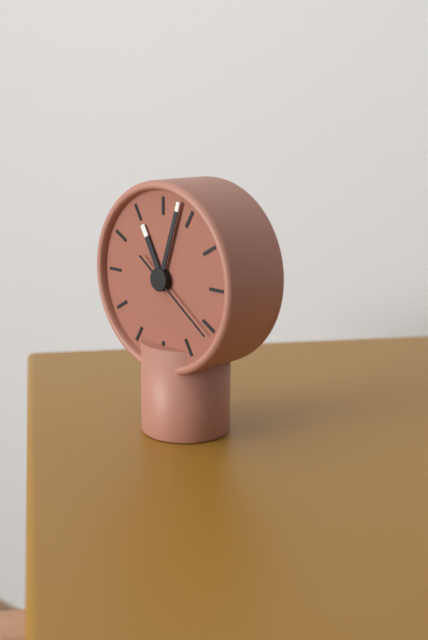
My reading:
11 h 03 min 21 s
